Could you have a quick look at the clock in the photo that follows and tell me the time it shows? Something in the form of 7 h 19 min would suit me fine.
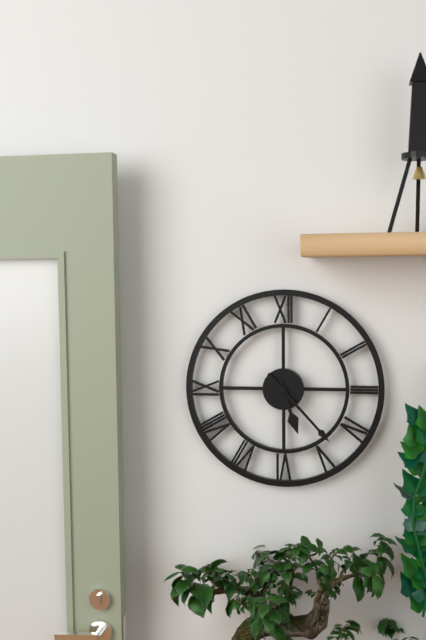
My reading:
5 h 23 min
